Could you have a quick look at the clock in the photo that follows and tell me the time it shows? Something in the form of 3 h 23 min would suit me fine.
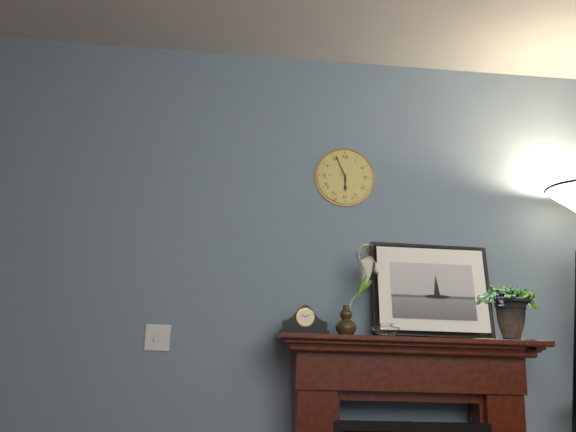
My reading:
5 h 56 min
